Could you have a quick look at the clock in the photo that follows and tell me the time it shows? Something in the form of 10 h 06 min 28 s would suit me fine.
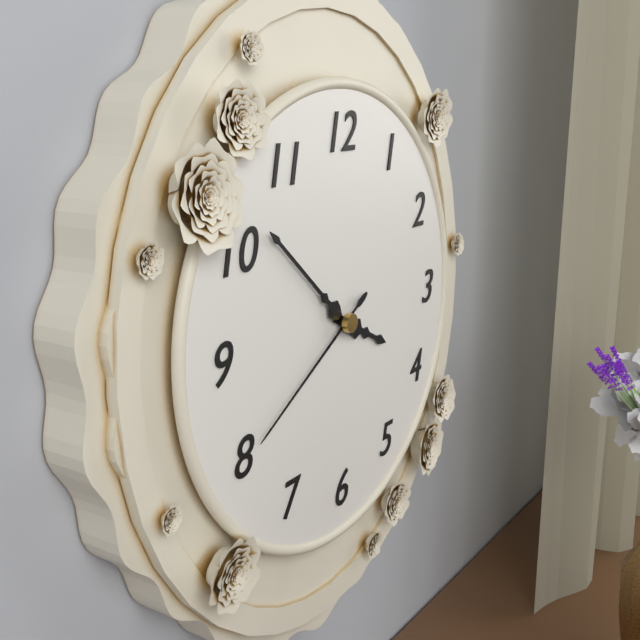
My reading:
3 h 52 min 40 s
